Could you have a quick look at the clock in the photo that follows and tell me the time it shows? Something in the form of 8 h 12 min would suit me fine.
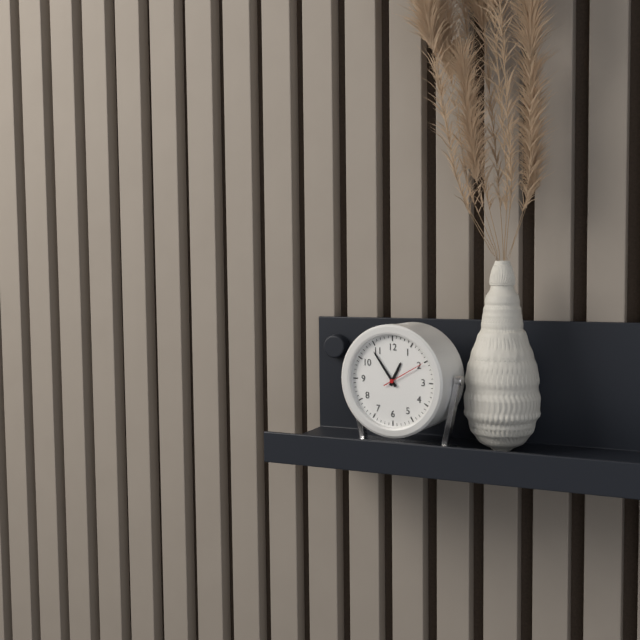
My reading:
12 h 54 min
